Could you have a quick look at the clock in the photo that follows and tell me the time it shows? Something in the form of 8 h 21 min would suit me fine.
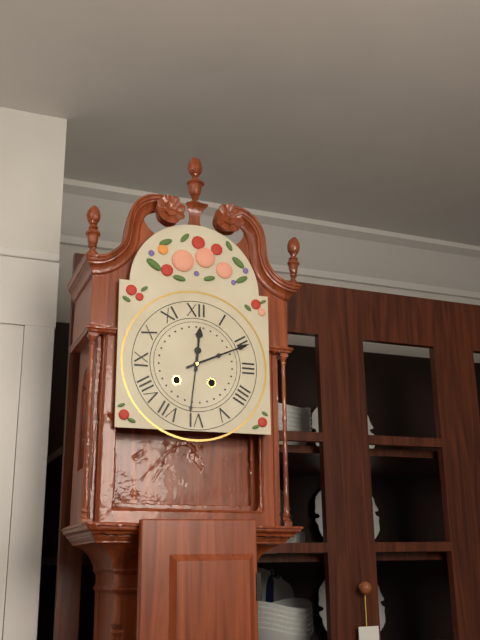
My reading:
12 h 11 min
